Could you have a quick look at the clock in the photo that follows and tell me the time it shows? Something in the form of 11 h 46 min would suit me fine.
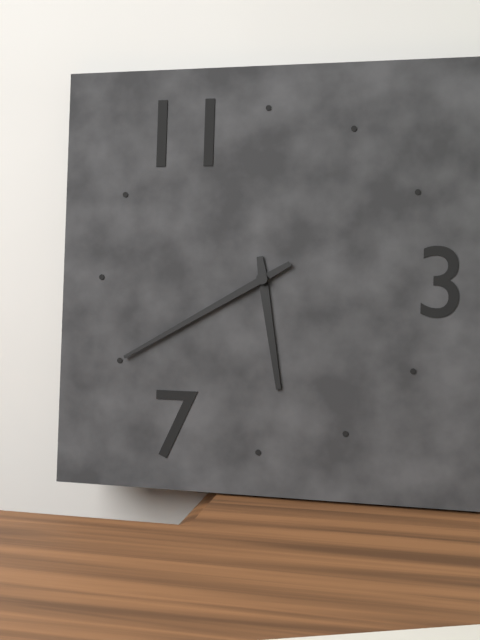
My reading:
5 h 40 min
